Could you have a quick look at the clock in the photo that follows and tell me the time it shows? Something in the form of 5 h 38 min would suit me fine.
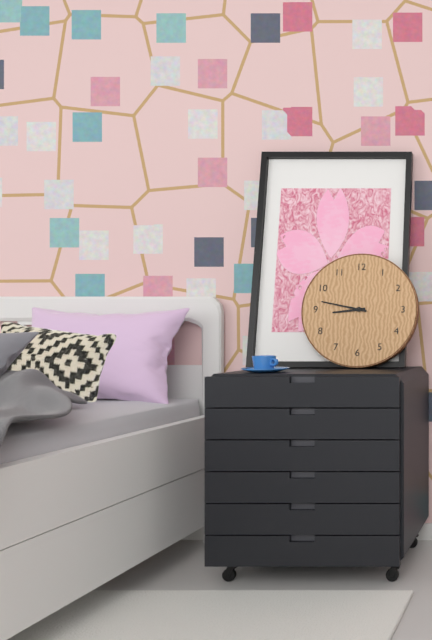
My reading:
8 h 47 min
